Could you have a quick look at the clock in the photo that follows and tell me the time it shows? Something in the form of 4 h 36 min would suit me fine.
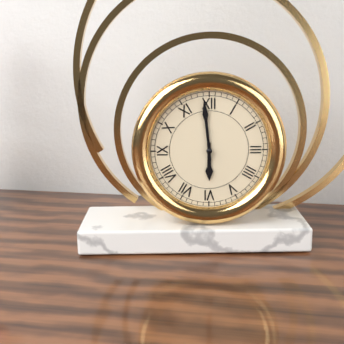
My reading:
5 h 59 min
